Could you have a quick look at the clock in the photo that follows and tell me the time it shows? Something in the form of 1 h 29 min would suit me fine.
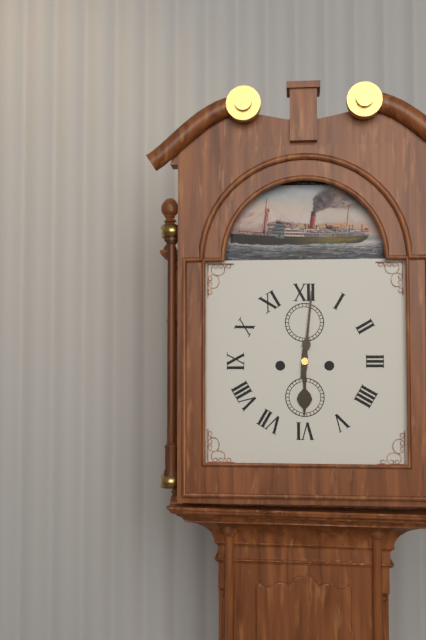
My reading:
6 h 01 min
